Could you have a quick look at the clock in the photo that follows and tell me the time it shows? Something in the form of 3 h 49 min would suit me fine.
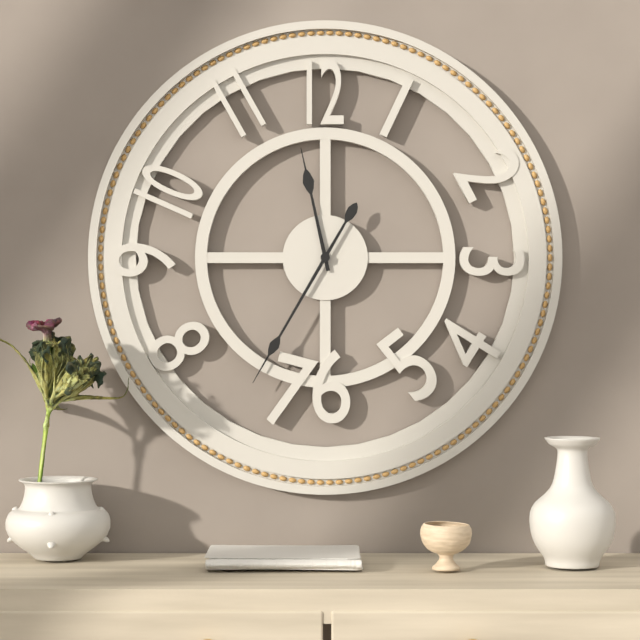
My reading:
11 h 35 min
